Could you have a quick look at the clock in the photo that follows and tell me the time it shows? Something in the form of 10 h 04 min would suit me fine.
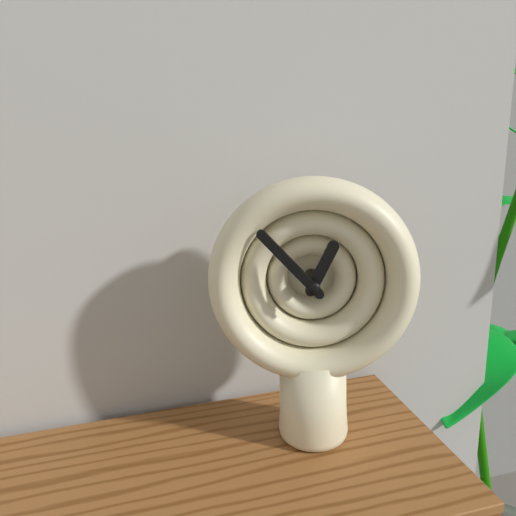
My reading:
12 h 53 min
